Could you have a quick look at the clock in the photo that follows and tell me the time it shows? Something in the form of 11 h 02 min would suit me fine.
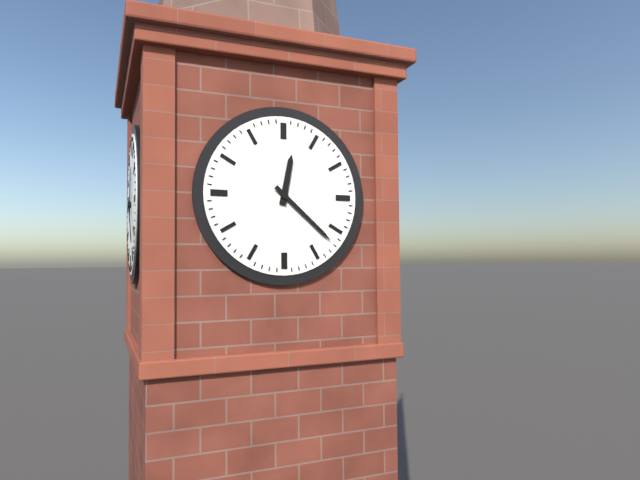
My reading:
12 h 22 min
